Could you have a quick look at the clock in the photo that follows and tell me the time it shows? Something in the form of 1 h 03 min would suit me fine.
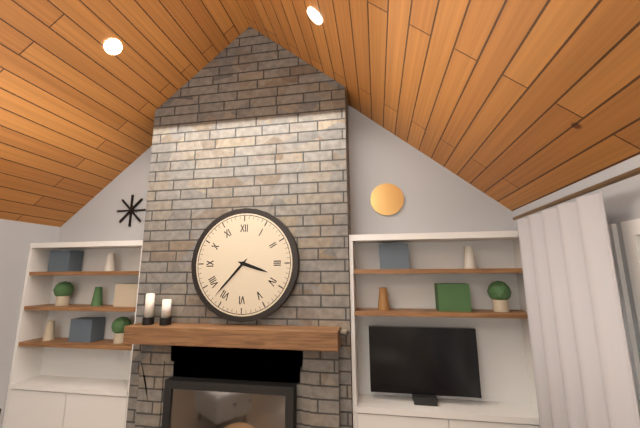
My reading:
3 h 37 min
